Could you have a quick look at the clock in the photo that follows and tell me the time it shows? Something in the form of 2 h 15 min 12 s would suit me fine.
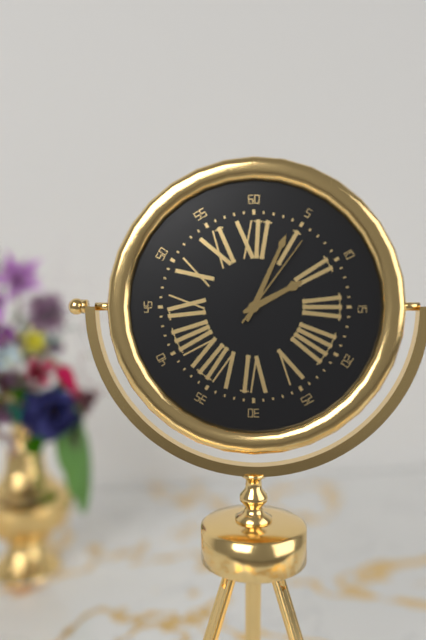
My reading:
2 h 04 min 06 s
